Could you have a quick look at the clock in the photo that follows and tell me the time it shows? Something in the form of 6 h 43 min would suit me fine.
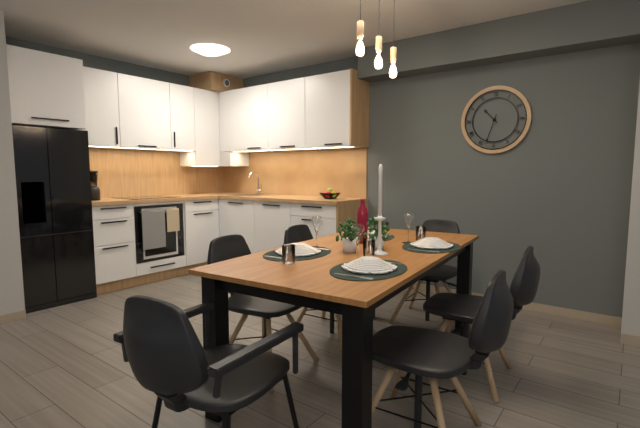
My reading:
10 h 33 min
